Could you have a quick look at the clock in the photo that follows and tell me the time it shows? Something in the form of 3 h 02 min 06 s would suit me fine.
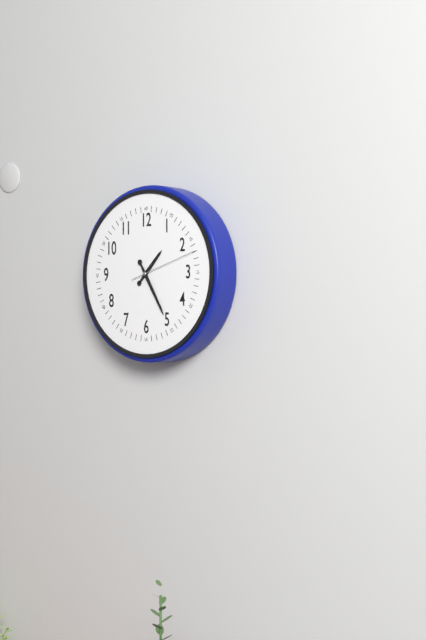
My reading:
1 h 25 min 12 s
